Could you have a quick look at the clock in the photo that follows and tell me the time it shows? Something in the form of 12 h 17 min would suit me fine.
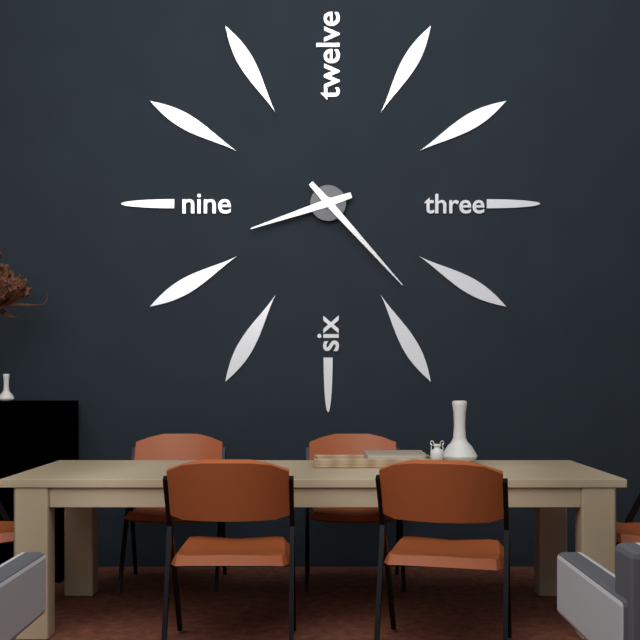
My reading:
8 h 23 min
